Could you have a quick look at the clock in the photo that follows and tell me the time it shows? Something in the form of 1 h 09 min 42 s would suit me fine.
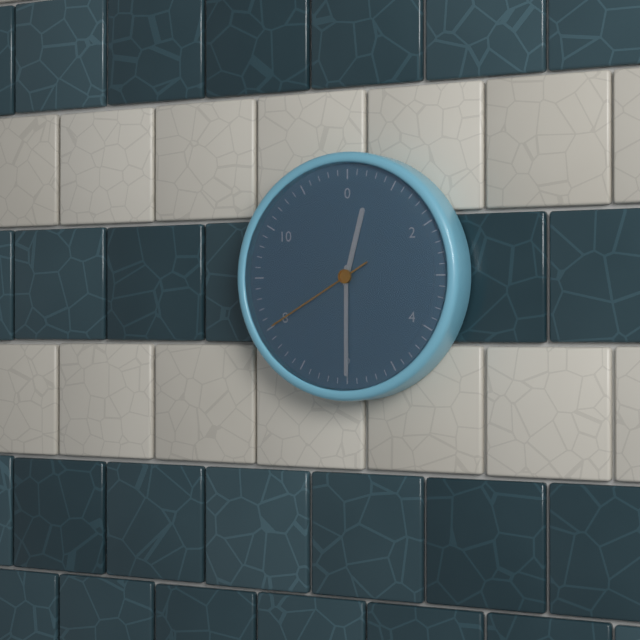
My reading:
12 h 30 min 40 s
